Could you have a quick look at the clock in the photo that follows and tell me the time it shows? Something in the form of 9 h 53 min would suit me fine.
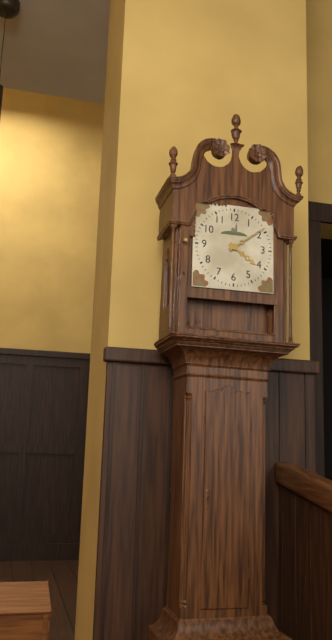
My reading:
4 h 09 min
